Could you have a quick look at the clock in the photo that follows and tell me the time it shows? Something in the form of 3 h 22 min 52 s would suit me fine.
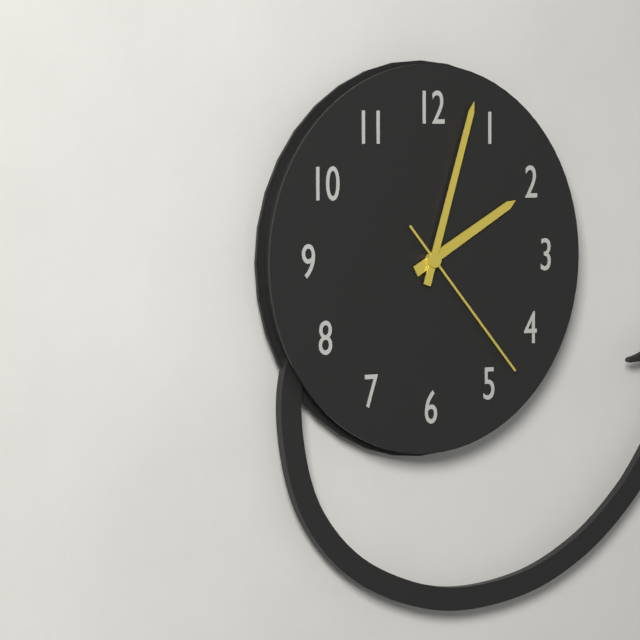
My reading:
2 h 03 min 23 s
